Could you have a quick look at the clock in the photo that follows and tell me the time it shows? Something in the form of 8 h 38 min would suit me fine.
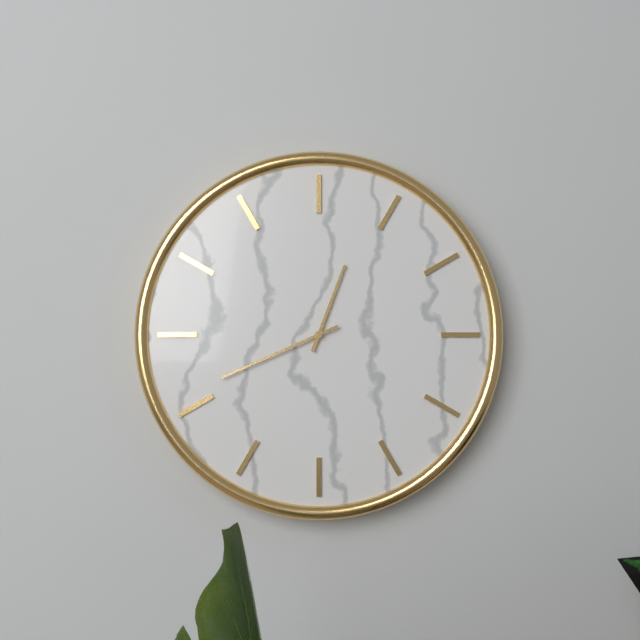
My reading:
12 h 41 min
